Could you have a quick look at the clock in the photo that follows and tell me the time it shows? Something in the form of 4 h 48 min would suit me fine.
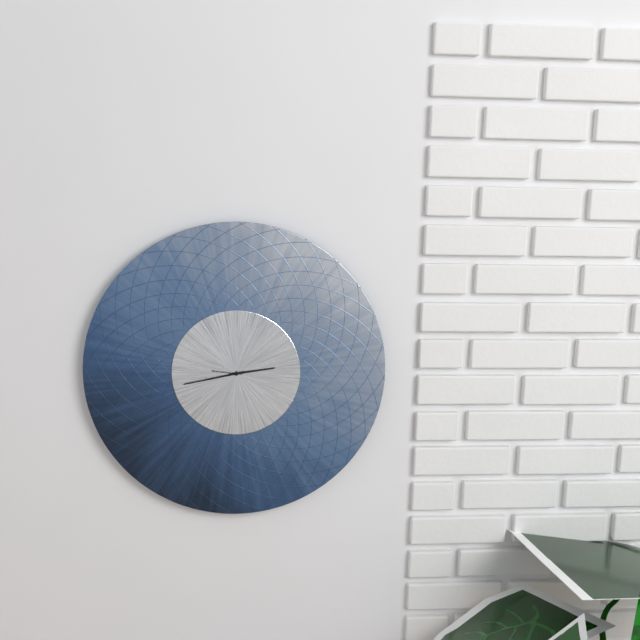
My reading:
2 h 43 min
